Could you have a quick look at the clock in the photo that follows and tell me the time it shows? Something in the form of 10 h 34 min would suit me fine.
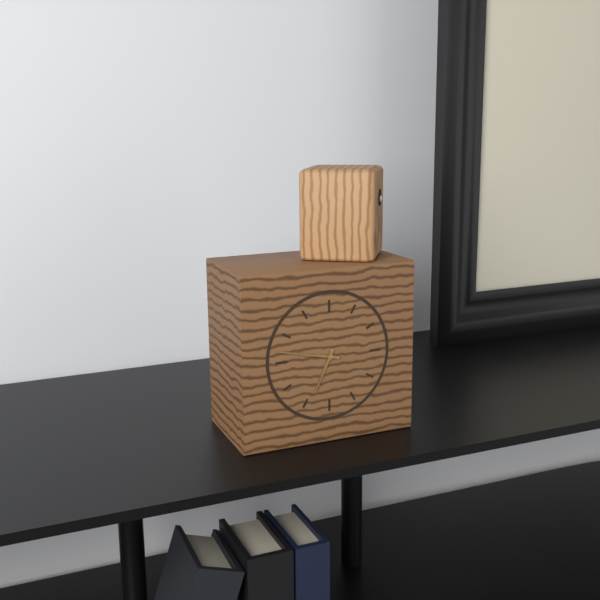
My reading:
6 h 47 min
